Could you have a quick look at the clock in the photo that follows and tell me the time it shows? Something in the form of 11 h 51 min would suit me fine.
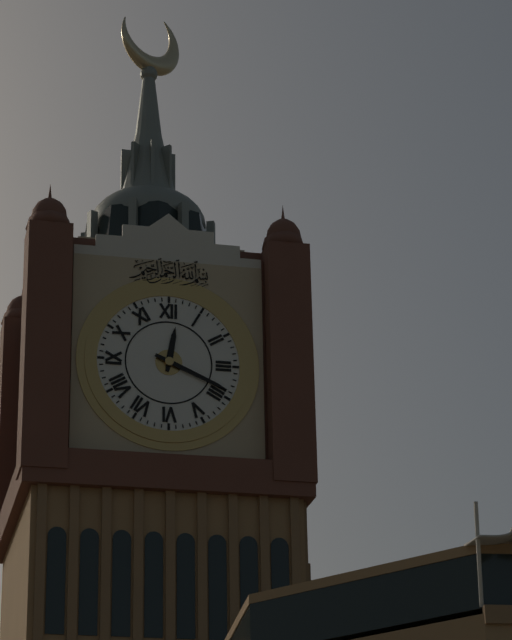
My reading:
12 h 19 min
